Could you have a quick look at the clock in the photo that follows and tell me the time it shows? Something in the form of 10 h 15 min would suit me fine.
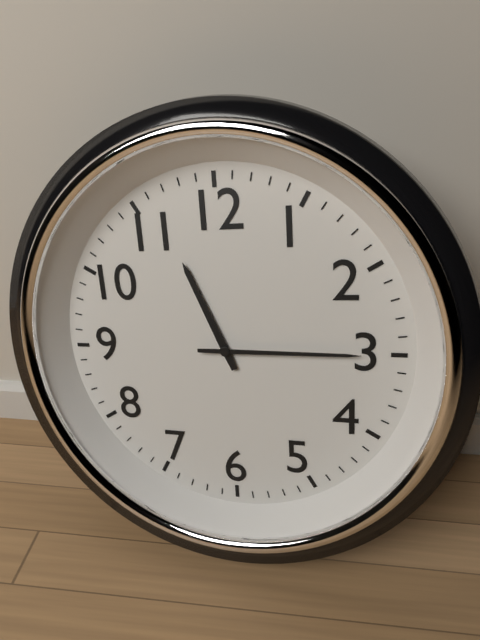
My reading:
11 h 15 min
